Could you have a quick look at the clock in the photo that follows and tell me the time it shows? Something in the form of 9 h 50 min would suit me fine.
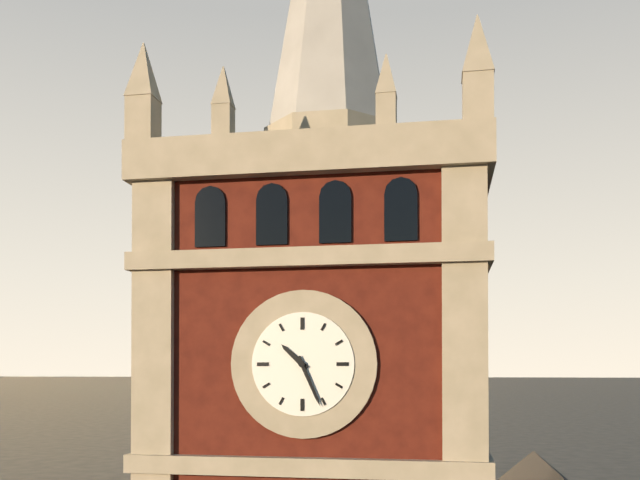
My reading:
10 h 26 min
